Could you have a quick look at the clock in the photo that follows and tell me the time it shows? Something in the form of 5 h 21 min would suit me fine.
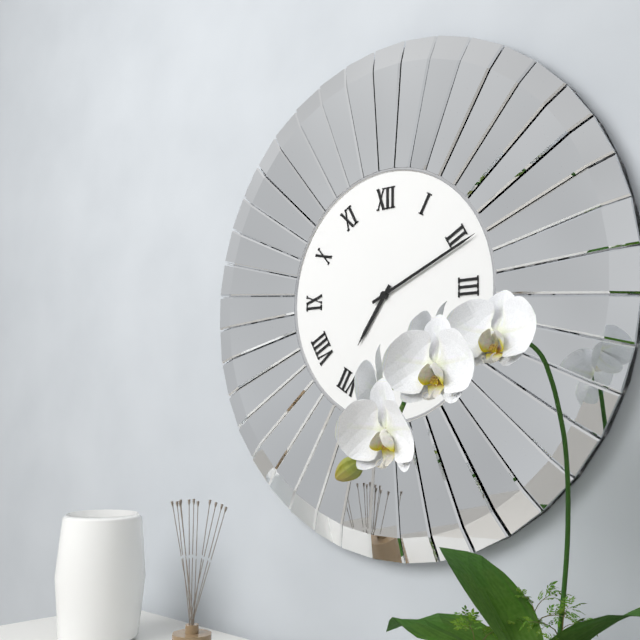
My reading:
7 h 11 min
